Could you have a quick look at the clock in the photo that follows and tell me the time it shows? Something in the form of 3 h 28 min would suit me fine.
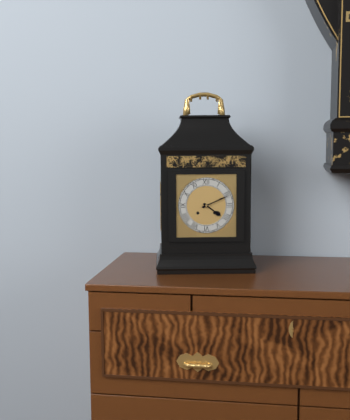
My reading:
4 h 11 min
